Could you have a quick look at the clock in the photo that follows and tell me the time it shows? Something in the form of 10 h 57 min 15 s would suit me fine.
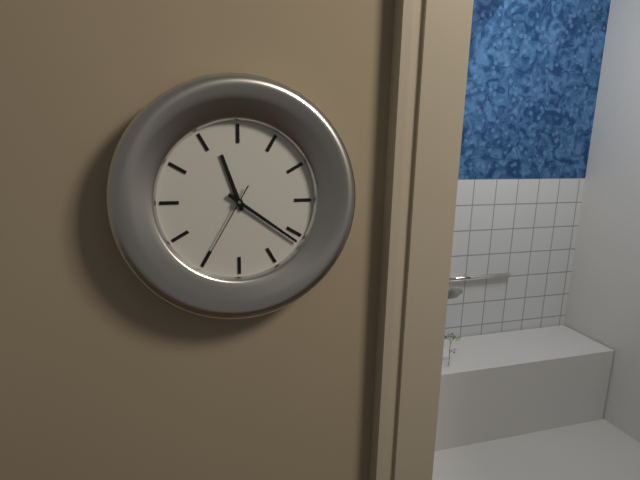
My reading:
11 h 21 min 35 s
